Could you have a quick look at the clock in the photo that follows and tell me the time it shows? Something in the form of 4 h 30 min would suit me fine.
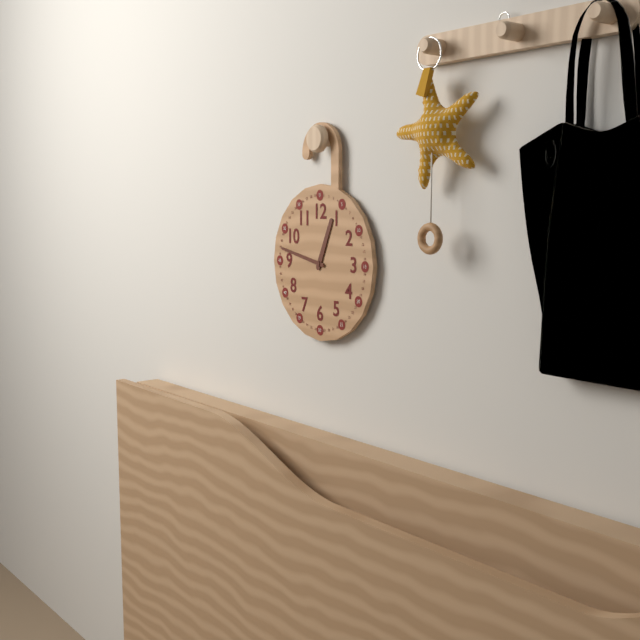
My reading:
12 h 47 min
